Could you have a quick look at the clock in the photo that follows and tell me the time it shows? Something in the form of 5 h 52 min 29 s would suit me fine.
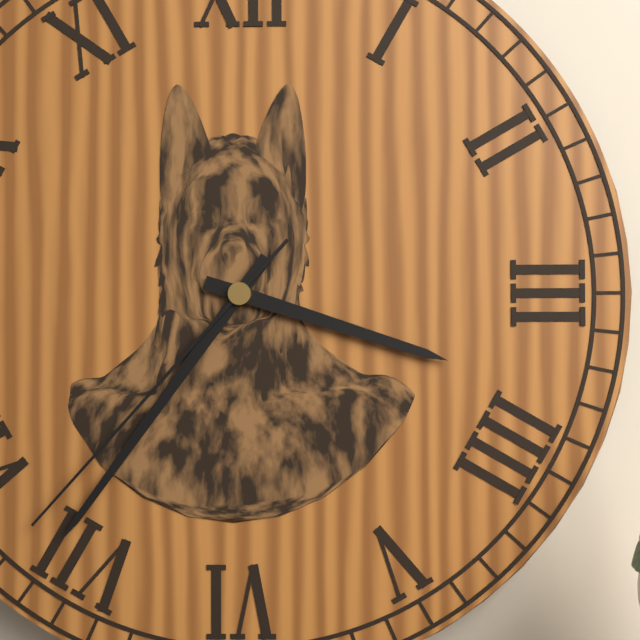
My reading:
3 h 36 min 37 s
